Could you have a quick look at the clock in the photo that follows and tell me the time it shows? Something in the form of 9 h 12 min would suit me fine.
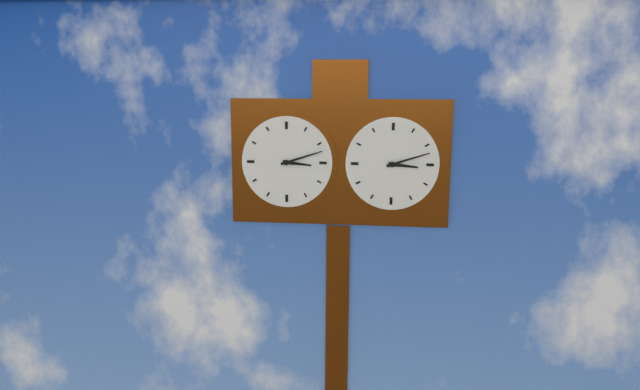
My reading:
3 h 12 min
